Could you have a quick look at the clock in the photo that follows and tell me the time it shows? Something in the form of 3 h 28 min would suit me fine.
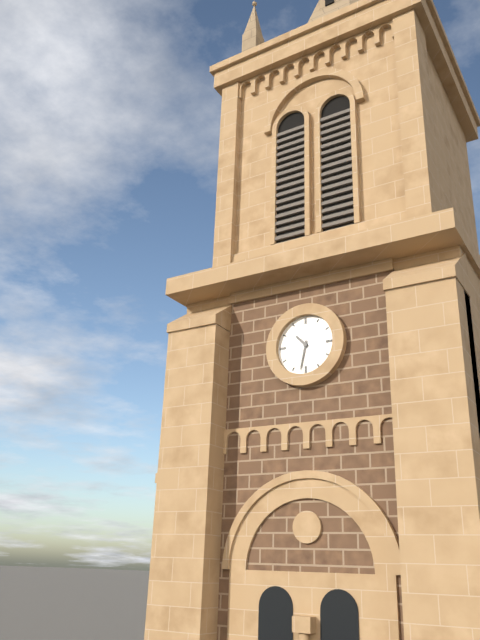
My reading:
10 h 32 min
